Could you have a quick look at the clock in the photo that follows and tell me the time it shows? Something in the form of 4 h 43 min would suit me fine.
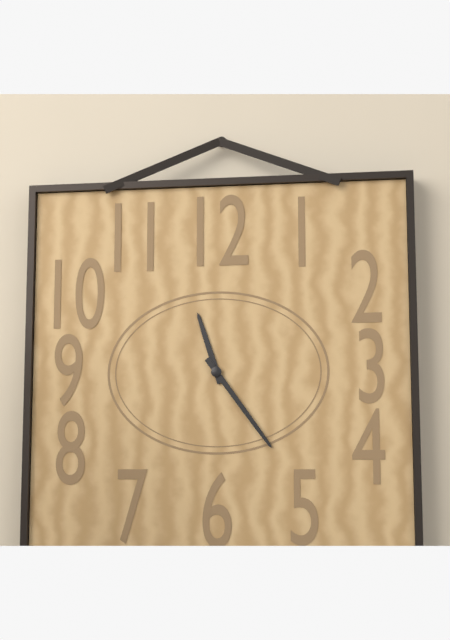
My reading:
11 h 24 min
